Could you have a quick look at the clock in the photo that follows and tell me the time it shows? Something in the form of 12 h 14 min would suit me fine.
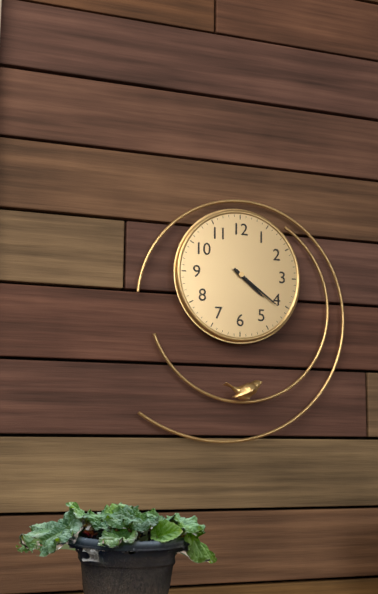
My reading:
4 h 21 min
